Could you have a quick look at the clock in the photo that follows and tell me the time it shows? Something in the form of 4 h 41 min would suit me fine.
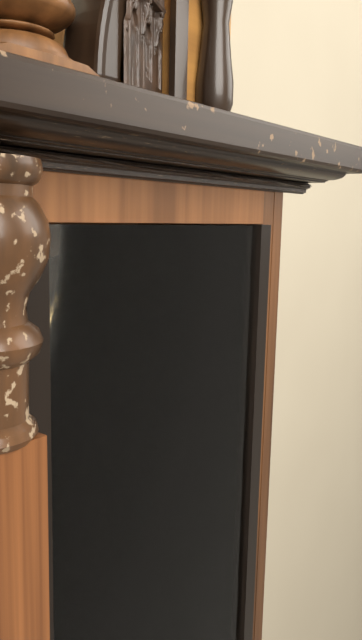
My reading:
7 h 33 min
